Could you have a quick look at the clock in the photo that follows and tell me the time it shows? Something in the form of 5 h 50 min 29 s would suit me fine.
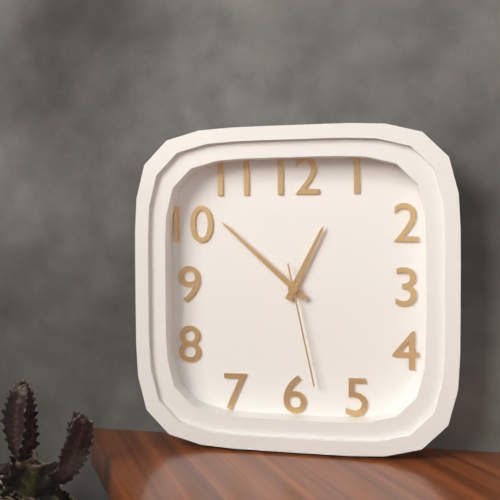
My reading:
12 h 52 min 28 s
